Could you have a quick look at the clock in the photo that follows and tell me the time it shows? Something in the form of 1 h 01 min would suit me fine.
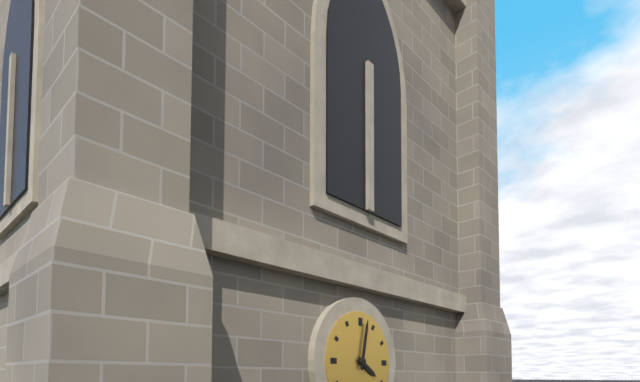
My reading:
4 h 02 min
